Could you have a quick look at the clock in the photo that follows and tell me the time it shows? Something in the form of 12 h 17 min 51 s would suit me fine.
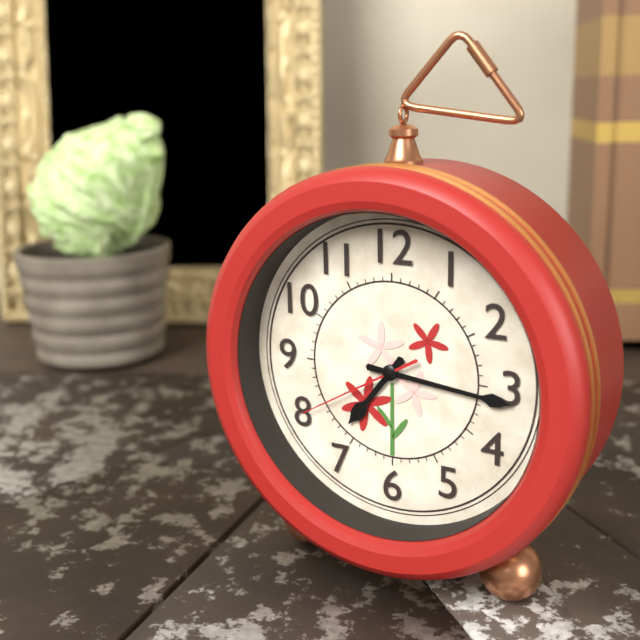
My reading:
7 h 16 min 40 s
